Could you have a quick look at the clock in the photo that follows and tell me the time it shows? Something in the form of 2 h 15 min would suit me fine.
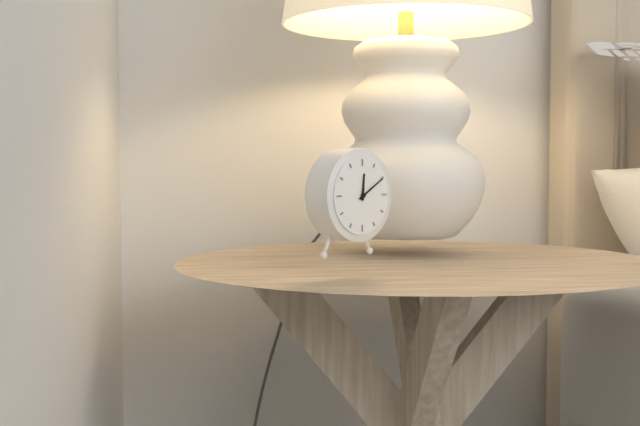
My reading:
12 h 10 min
